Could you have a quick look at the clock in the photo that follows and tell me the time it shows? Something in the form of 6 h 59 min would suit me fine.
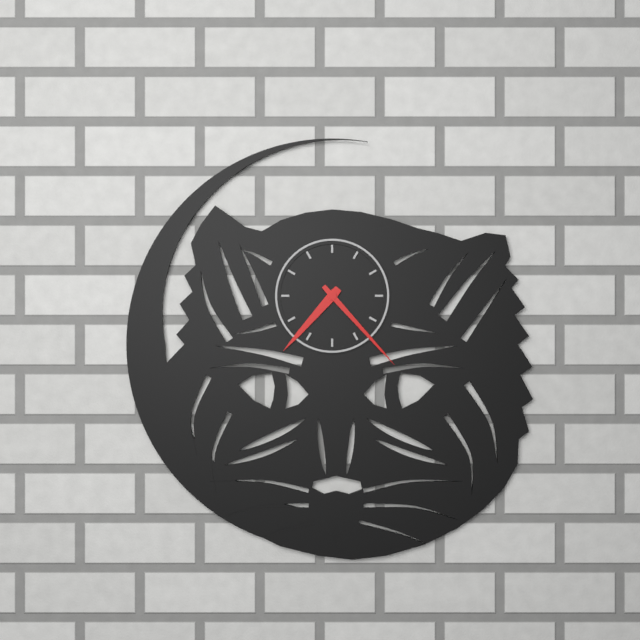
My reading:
7 h 23 min
